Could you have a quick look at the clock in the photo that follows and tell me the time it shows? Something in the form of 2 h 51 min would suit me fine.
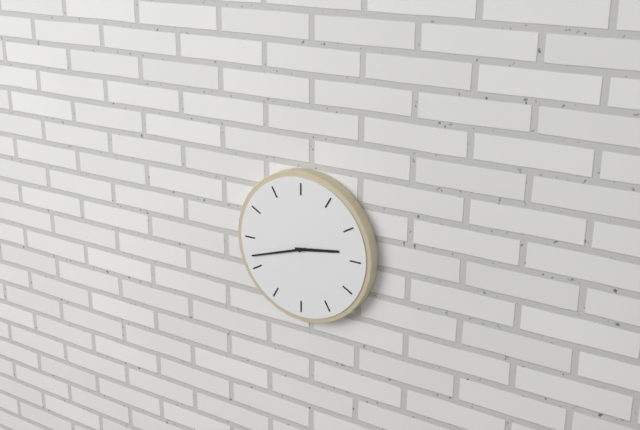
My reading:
2 h 42 min
